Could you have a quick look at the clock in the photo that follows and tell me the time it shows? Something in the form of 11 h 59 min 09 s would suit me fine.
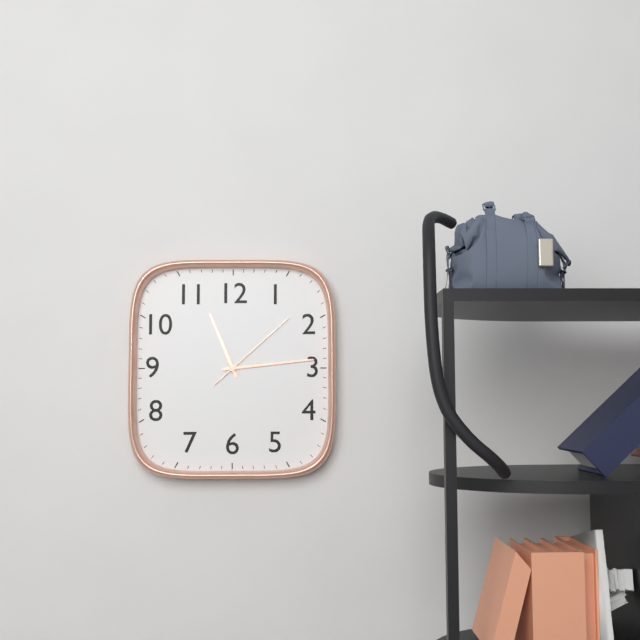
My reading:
11 h 14 min 08 s
